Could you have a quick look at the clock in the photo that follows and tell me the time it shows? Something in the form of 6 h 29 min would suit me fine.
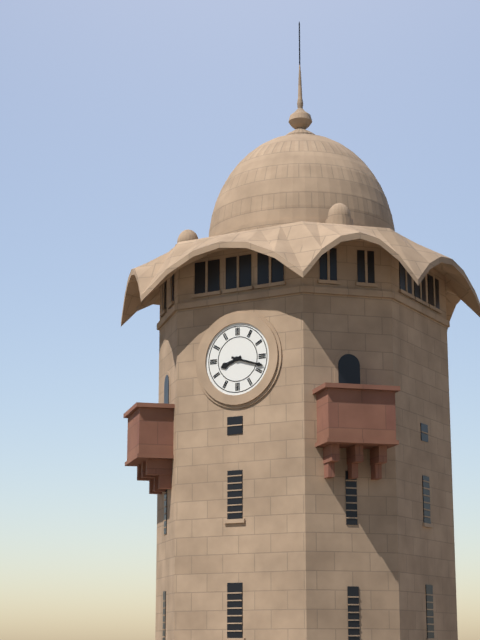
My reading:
8 h 18 min
